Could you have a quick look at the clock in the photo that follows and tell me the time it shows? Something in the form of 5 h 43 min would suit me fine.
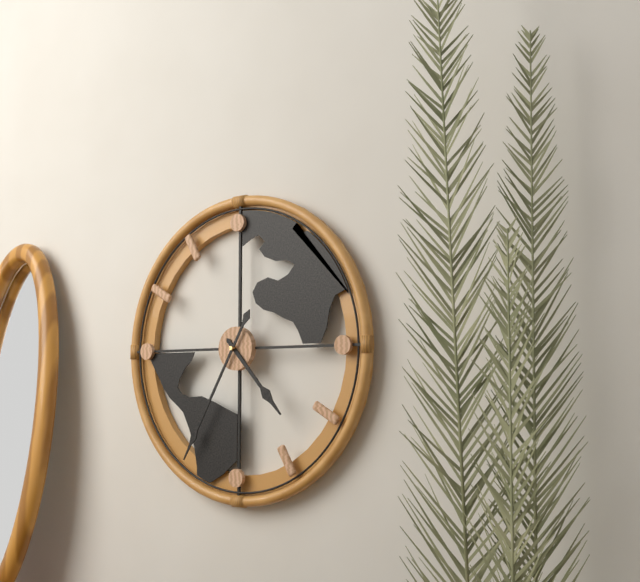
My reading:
4 h 35 min
